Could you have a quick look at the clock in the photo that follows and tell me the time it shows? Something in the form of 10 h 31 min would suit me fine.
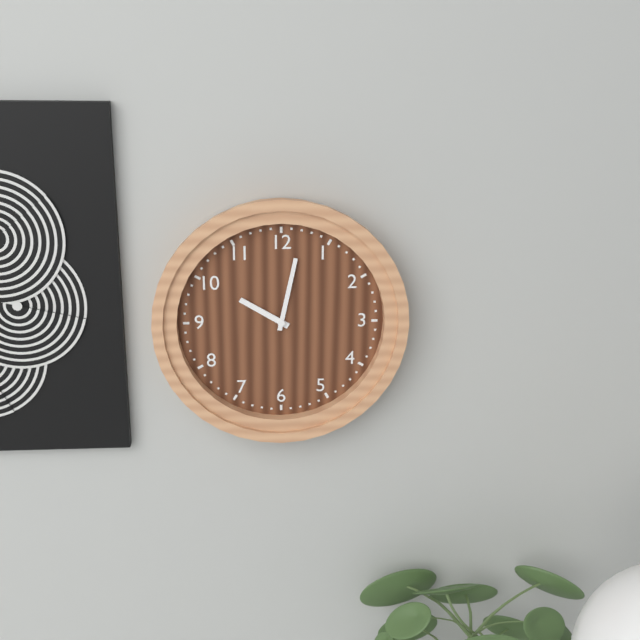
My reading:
10 h 02 min
